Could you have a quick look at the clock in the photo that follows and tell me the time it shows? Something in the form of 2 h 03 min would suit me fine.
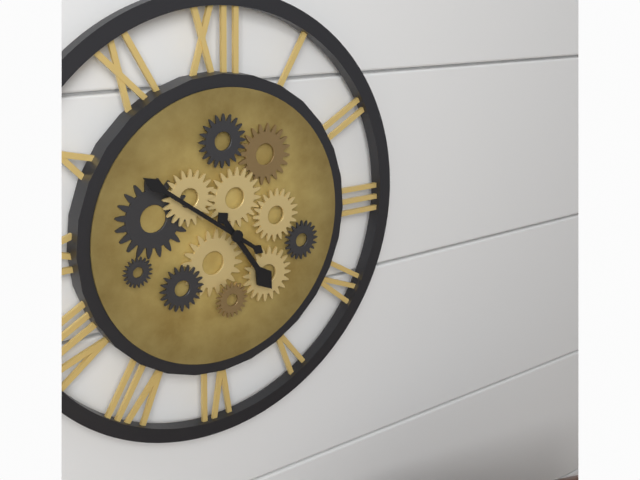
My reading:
4 h 51 min
